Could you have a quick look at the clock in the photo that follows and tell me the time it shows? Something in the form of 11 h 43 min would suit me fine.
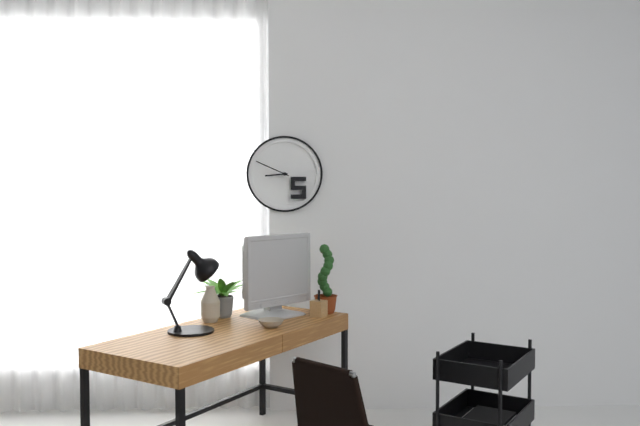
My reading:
8 h 49 min
